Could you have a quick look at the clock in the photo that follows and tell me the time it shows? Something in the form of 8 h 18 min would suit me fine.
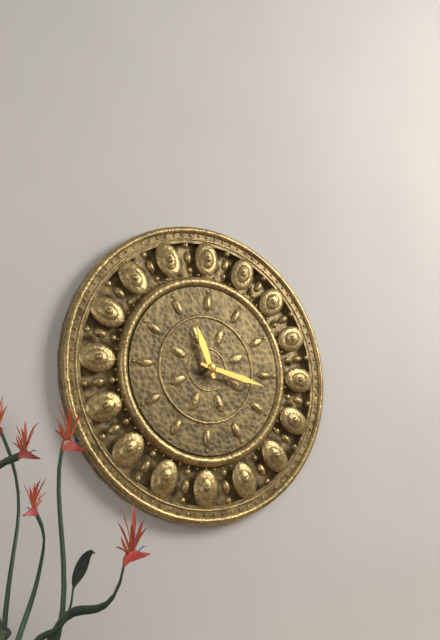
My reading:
11 h 17 min
